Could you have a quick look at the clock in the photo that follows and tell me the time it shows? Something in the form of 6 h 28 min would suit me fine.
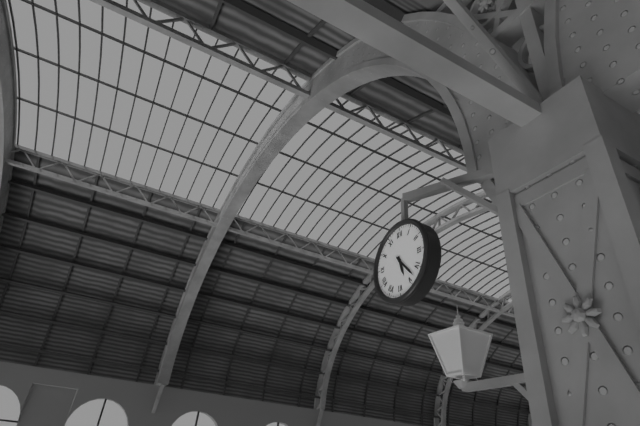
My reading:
5 h 23 min
